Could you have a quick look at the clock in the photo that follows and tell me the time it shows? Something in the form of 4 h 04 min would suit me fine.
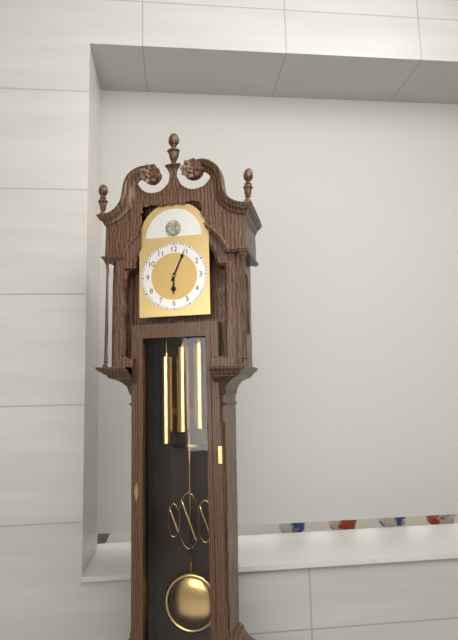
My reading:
6 h 04 min
